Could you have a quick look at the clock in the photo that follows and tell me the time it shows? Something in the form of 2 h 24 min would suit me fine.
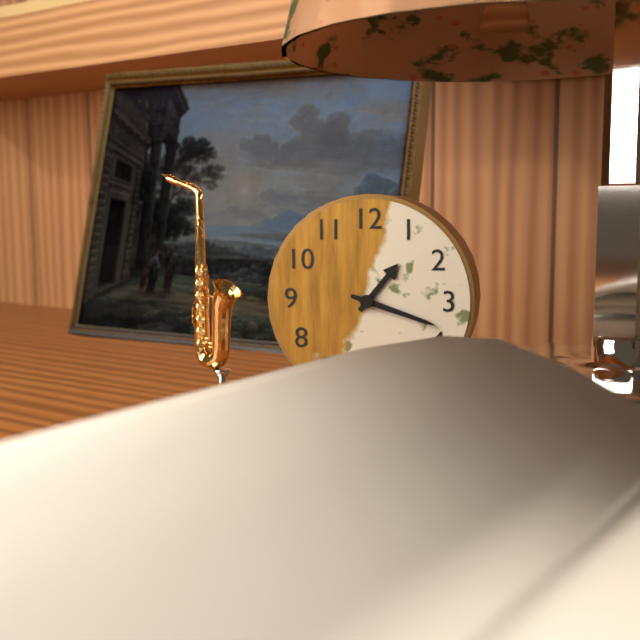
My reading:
1 h 18 min
